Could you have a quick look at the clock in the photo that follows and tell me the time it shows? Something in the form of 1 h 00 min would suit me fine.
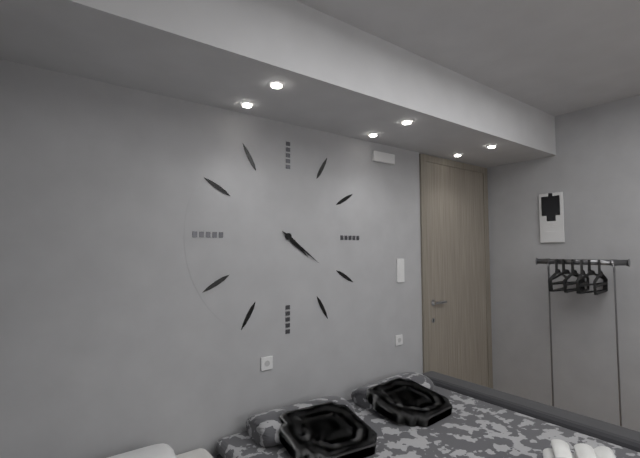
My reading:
4 h 21 min
